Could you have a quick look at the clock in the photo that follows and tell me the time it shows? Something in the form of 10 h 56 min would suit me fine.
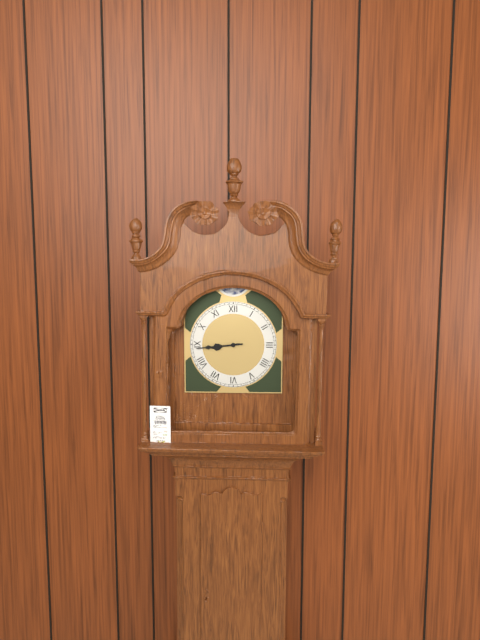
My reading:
8 h 44 min
